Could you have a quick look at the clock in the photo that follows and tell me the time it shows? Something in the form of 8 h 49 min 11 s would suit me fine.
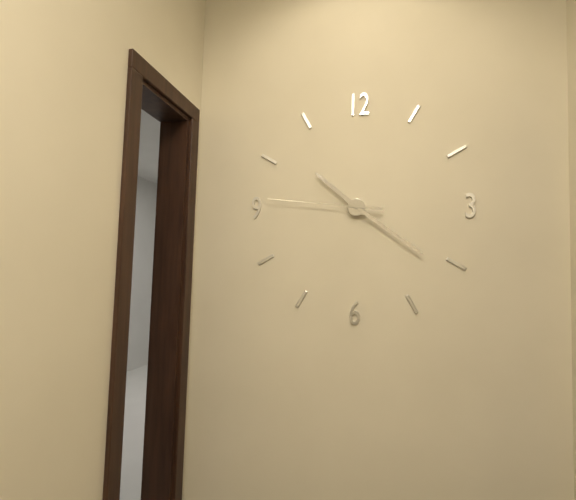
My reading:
10 h 21 min 46 s
